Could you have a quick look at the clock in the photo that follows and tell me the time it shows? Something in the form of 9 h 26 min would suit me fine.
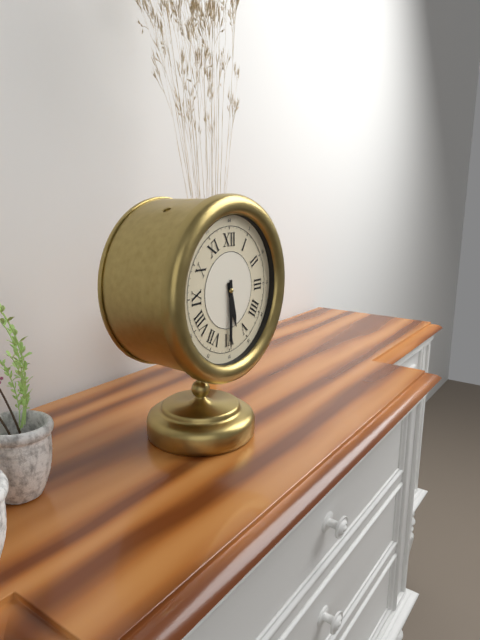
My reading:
5 h 30 min
